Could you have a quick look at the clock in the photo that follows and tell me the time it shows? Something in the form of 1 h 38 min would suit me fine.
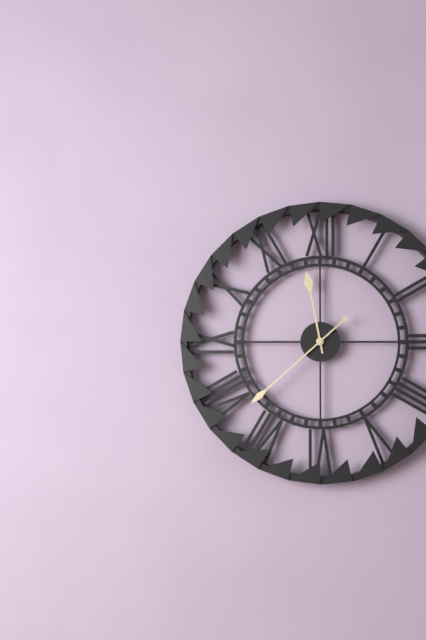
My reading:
11 h 38 min
